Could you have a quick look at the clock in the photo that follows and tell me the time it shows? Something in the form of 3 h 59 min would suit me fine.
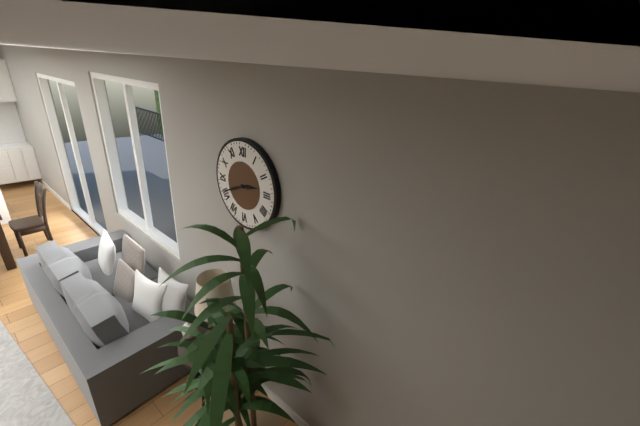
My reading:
2 h 41 min
